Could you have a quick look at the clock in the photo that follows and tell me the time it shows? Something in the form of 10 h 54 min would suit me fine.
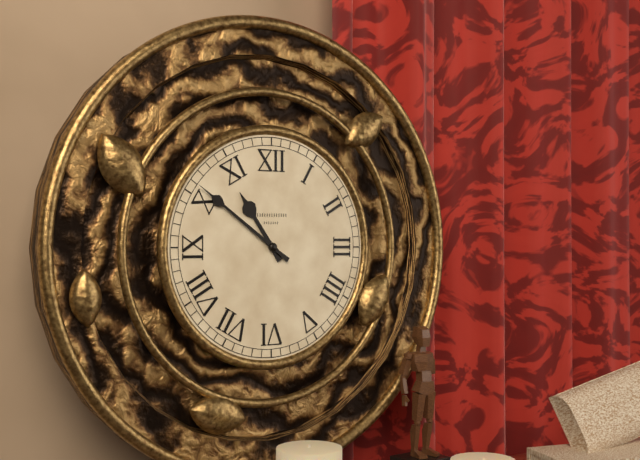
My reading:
10 h 51 min
